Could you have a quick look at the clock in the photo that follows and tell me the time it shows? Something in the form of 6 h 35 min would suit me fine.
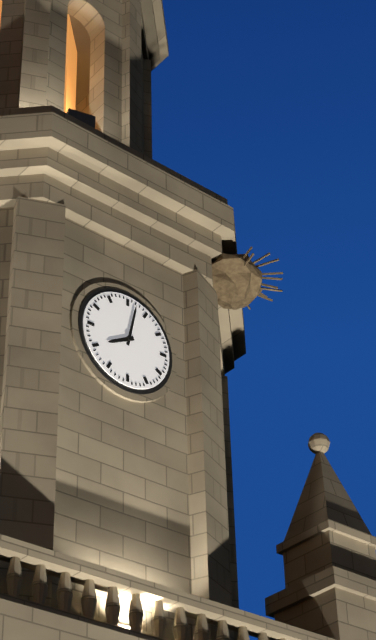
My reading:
8 h 02 min
